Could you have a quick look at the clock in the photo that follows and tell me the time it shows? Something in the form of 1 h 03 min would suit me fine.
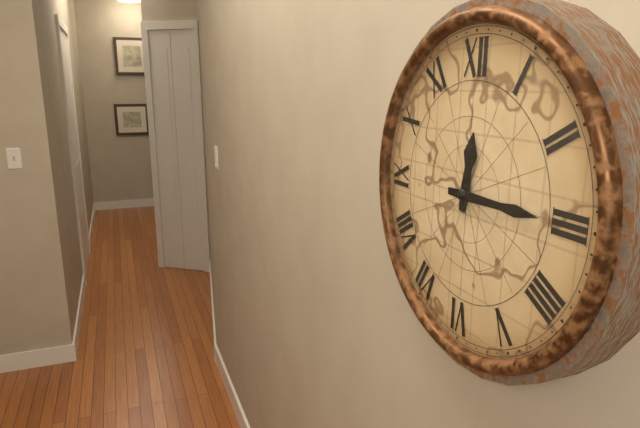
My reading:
12 h 15 min
